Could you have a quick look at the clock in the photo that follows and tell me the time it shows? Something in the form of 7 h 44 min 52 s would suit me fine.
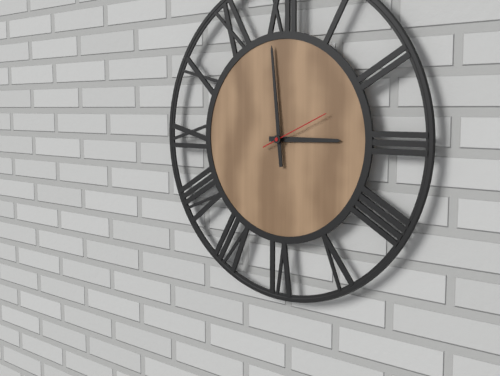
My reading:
2 h 59 min 11 s
